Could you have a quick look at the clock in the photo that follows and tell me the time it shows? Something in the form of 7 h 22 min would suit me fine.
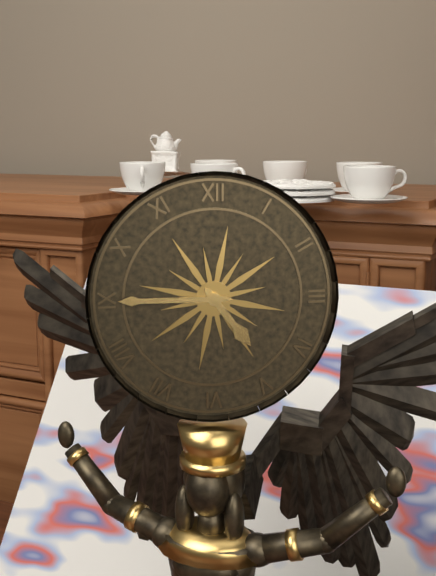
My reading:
4 h 45 min
